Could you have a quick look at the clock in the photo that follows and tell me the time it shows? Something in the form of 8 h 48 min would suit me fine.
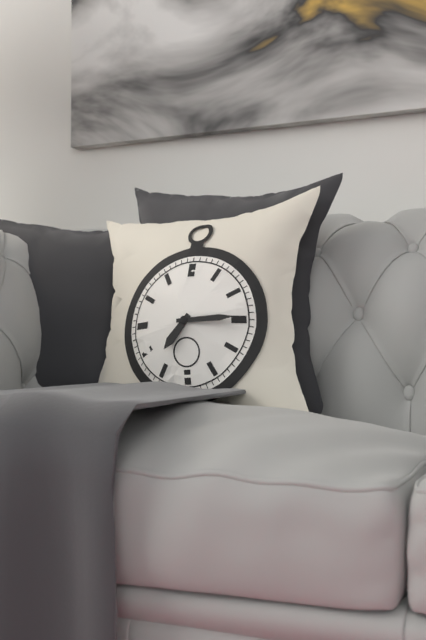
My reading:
7 h 15 min
